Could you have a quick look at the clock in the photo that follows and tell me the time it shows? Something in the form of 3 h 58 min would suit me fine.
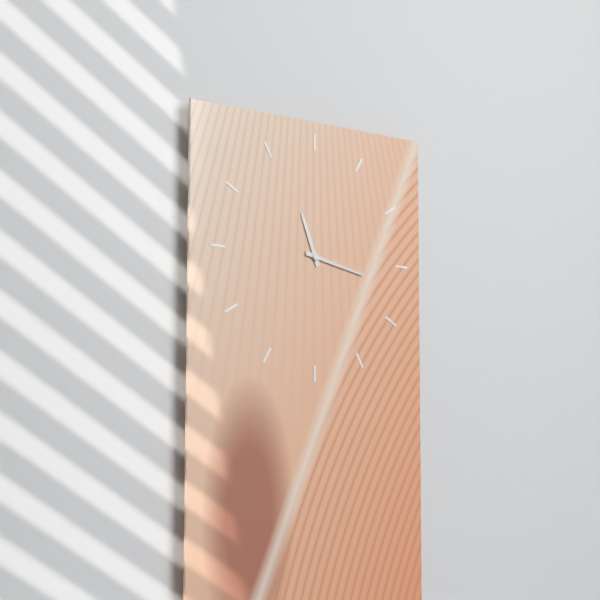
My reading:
11 h 17 min
